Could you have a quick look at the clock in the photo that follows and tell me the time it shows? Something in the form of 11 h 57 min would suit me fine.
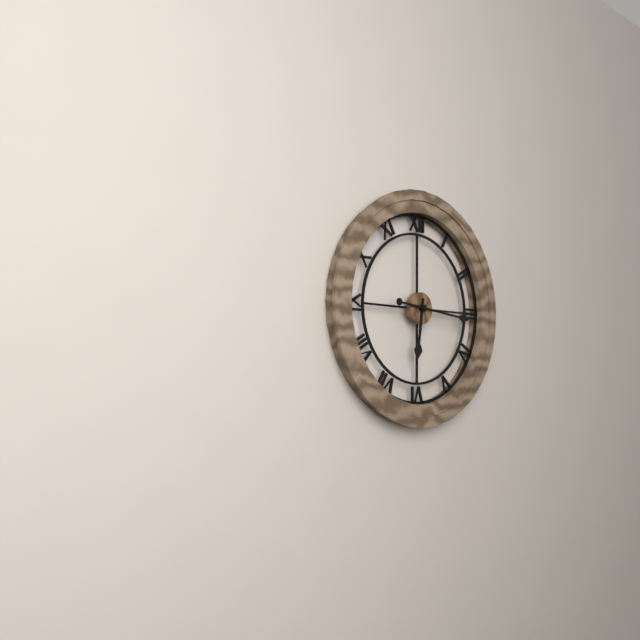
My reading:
6 h 16 min
